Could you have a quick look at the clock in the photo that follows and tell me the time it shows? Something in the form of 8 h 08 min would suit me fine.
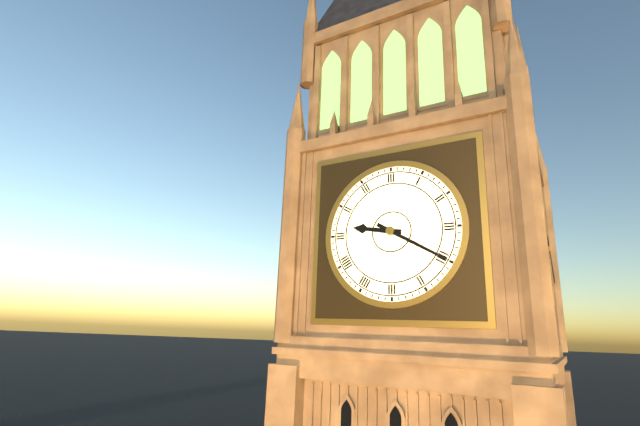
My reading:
9 h 20 min
